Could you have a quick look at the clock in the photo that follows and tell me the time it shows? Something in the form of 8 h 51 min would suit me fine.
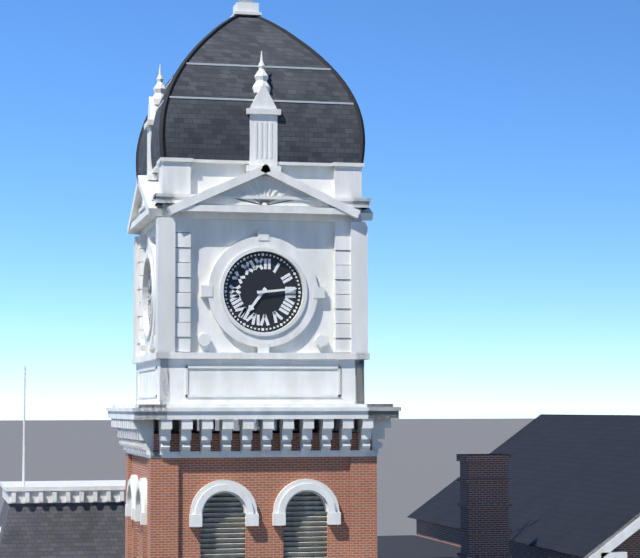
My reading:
7 h 14 min
